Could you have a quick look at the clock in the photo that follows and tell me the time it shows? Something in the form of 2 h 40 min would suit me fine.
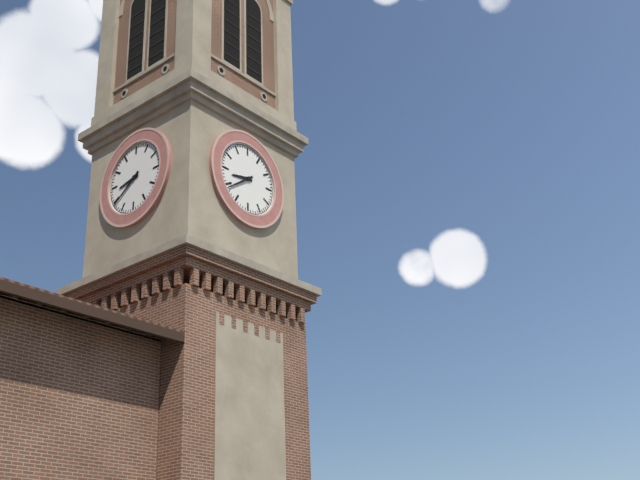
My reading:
8 h 39 min
